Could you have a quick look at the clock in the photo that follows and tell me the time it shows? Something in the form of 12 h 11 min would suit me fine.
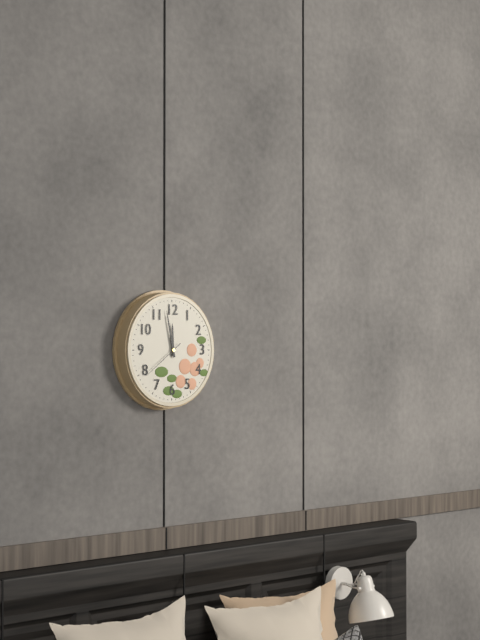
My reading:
11 h 58 min
